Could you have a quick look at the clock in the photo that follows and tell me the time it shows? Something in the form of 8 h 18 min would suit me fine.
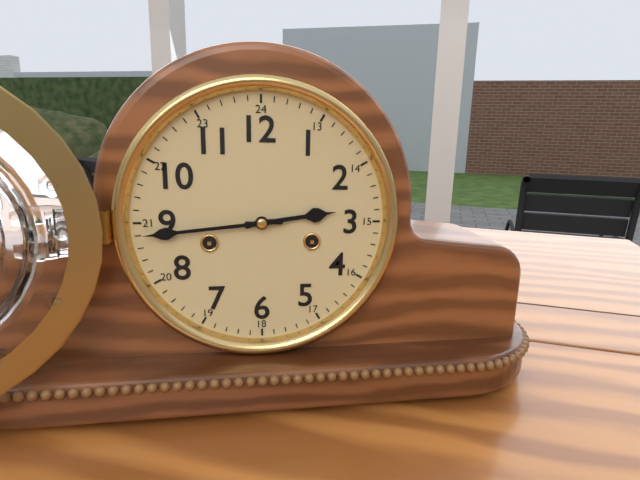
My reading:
2 h 44 min
